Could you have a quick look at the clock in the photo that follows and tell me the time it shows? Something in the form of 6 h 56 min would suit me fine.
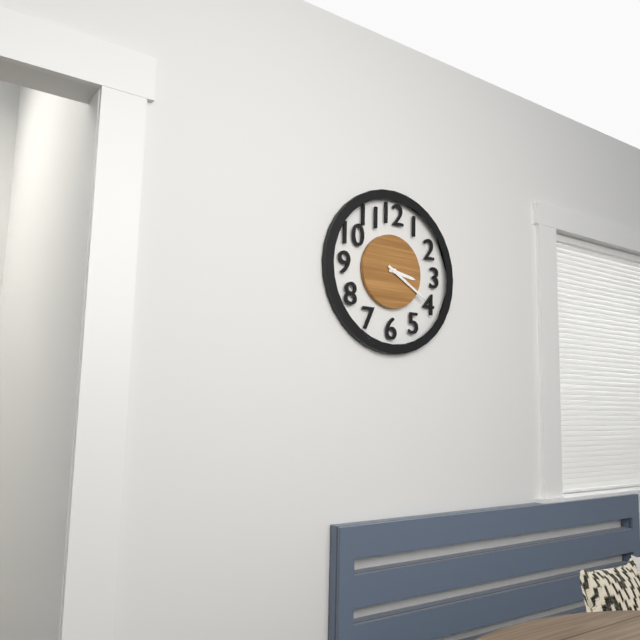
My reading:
3 h 20 min
